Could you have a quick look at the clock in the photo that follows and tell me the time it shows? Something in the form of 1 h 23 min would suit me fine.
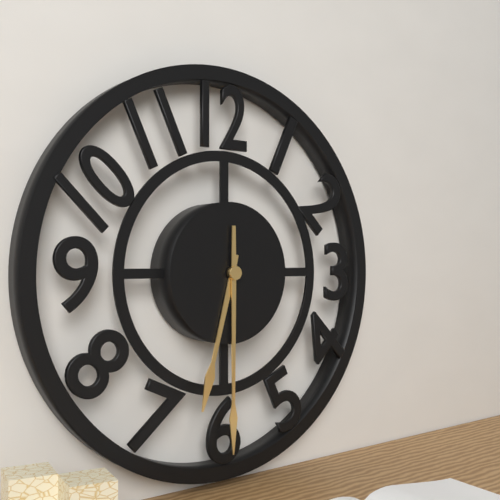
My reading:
6 h 30 min
